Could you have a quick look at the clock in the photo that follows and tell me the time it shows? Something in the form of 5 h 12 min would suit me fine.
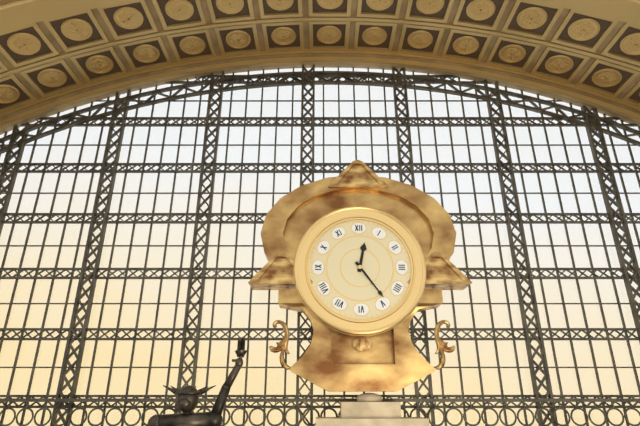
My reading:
12 h 24 min
